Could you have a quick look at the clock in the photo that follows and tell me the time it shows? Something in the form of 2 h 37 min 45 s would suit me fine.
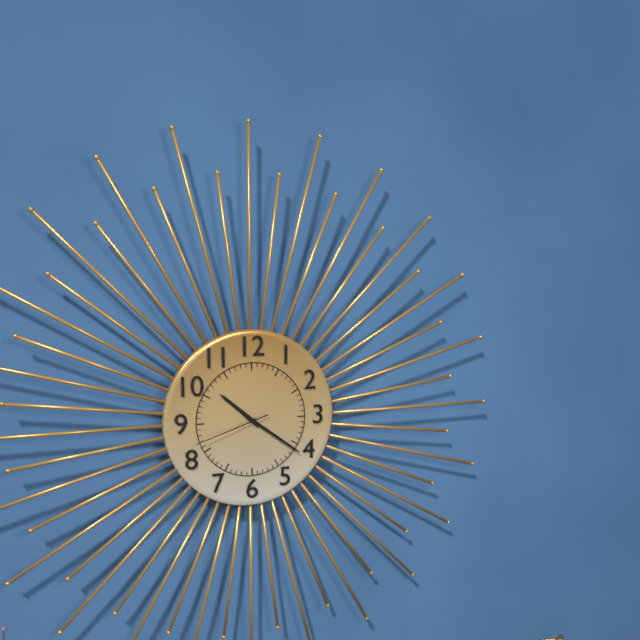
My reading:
10 h 21 min 42 s
